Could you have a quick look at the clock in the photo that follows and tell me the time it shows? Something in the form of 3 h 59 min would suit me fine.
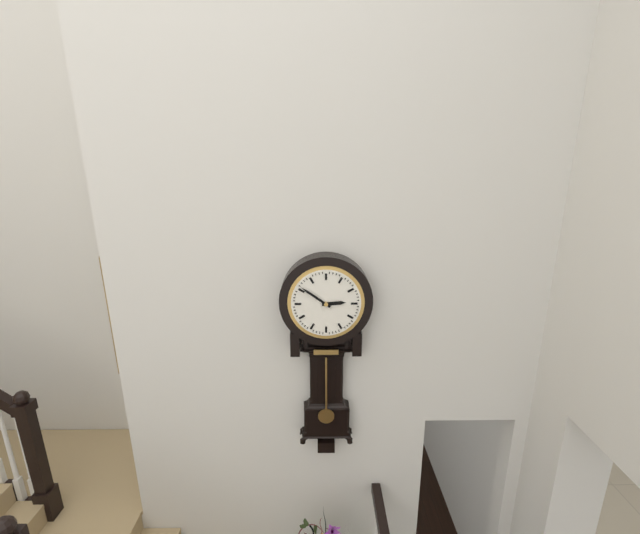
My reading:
2 h 51 min
